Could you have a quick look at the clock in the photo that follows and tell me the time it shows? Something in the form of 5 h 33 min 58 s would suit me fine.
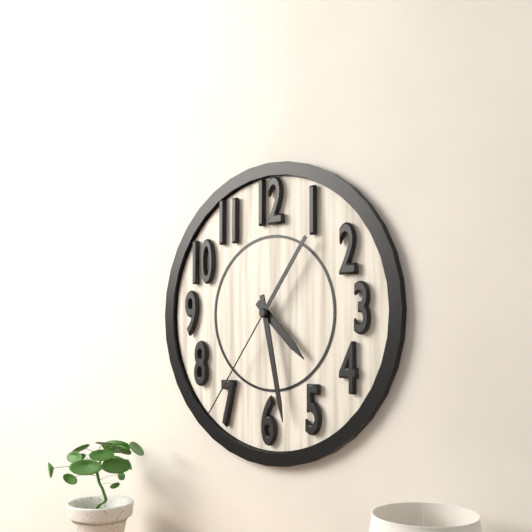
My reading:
4 h 28 min 36 s
